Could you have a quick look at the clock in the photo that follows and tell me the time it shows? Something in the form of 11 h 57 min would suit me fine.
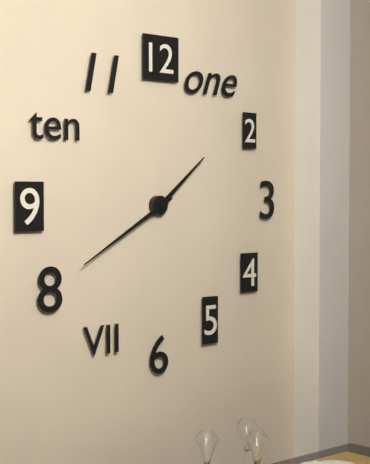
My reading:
1 h 40 min
